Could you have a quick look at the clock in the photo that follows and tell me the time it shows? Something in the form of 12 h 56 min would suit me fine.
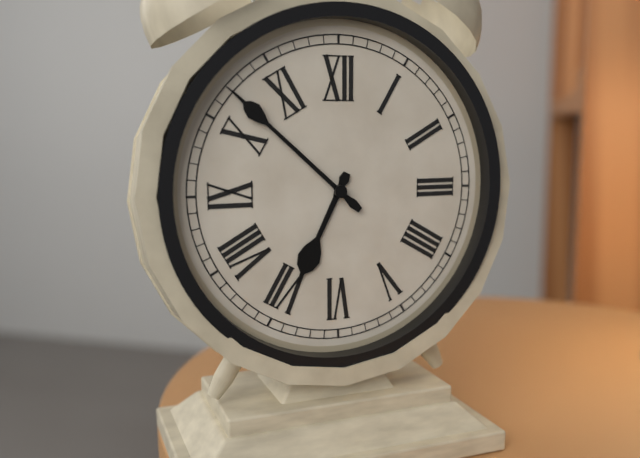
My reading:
6 h 52 min
